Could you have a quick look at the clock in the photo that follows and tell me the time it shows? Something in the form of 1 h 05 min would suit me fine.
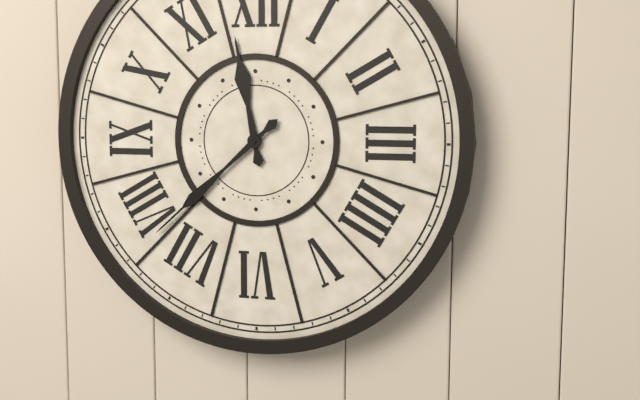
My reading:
11 h 38 min
